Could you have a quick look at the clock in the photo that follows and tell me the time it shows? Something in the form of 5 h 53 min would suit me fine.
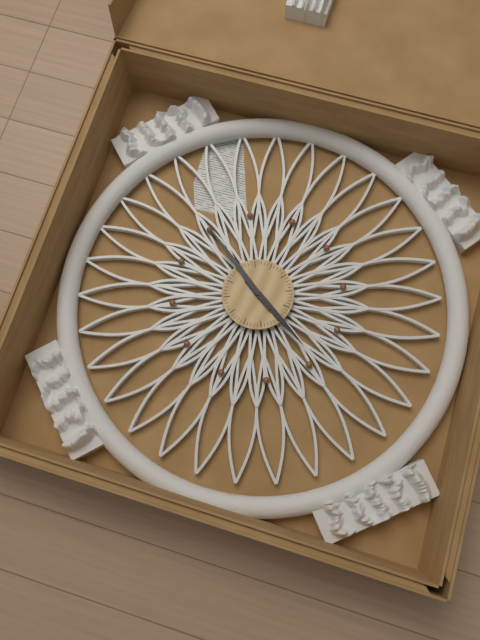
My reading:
3 h 50 min
